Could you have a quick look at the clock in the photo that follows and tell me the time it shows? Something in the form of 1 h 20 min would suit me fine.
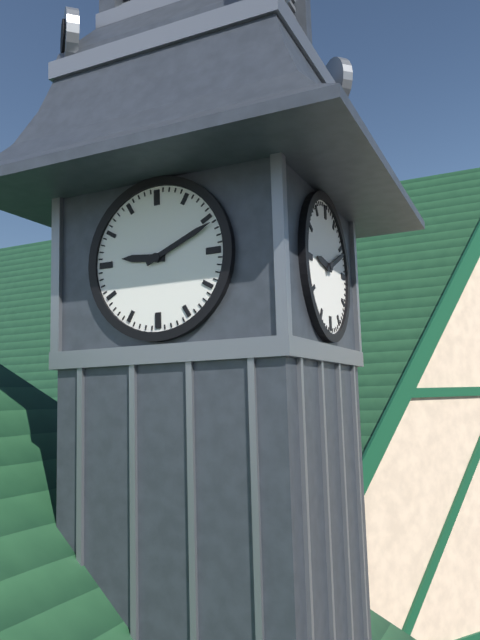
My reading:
9 h 11 min
